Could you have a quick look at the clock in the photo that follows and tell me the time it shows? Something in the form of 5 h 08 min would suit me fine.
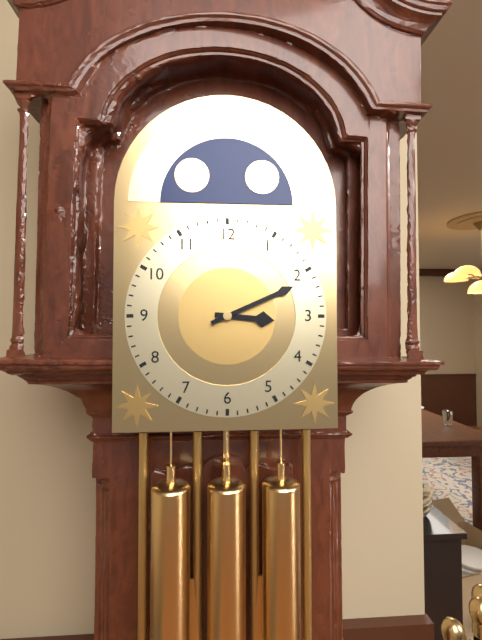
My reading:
3 h 11 min
